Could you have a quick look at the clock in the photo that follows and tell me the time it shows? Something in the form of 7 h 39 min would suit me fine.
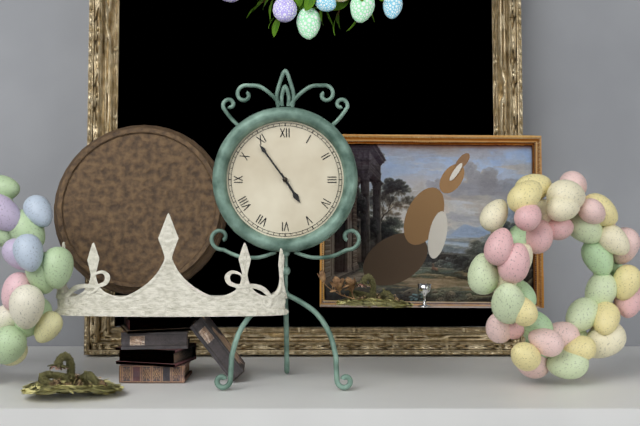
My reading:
4 h 54 min
